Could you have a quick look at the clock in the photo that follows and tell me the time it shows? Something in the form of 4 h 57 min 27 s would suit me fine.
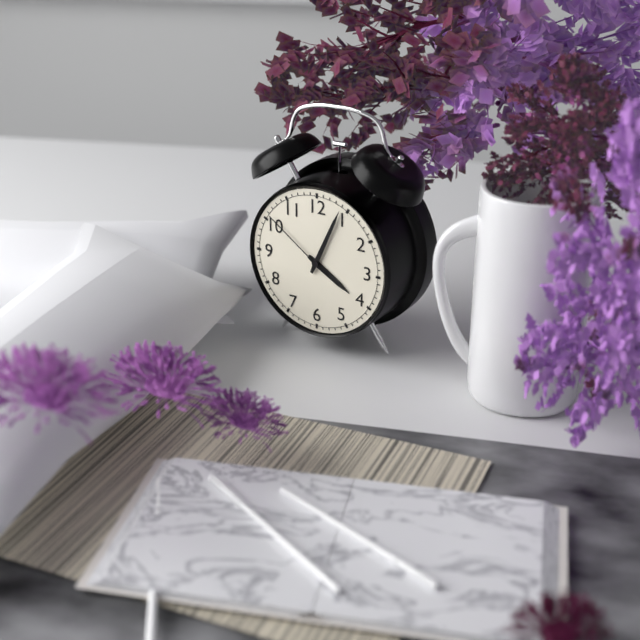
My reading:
4 h 04 min 51 s
